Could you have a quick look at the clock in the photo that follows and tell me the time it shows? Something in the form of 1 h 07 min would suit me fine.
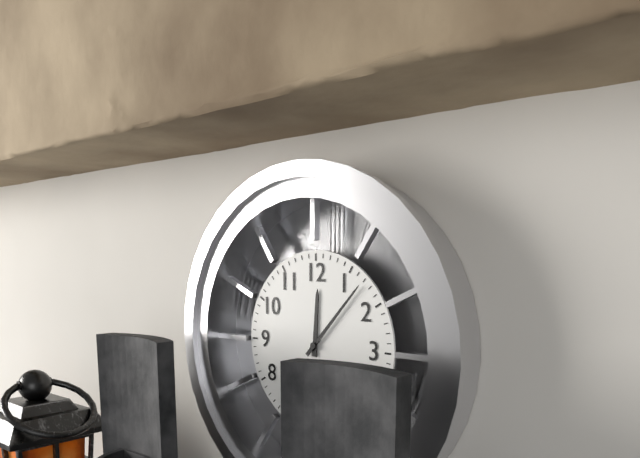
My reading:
12 h 07 min
